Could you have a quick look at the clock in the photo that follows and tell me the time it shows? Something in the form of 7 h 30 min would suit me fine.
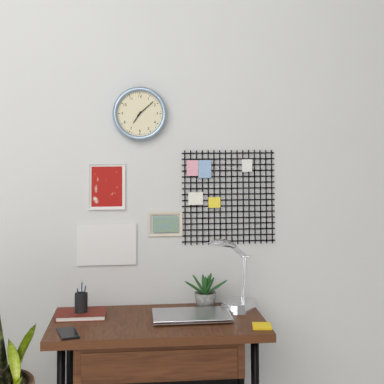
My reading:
7 h 08 min
